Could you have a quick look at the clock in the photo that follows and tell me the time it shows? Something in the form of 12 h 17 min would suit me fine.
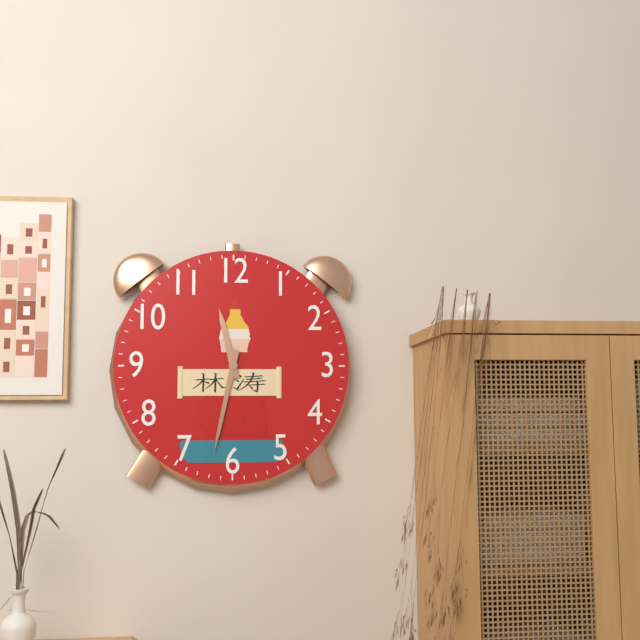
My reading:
11 h 32 min
